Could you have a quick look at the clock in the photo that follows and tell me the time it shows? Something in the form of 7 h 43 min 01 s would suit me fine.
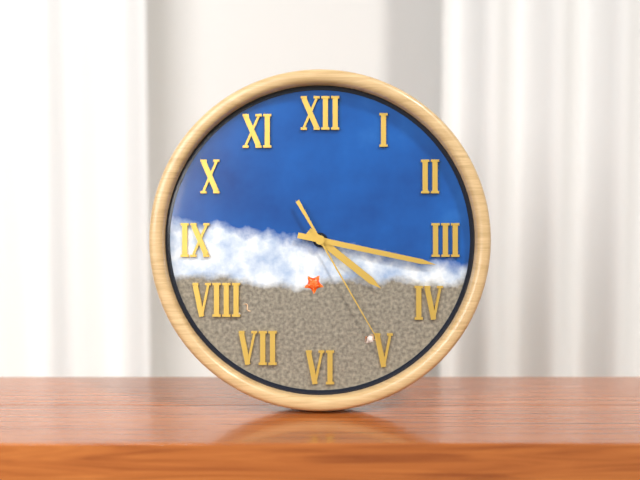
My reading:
4 h 17 min 25 s
